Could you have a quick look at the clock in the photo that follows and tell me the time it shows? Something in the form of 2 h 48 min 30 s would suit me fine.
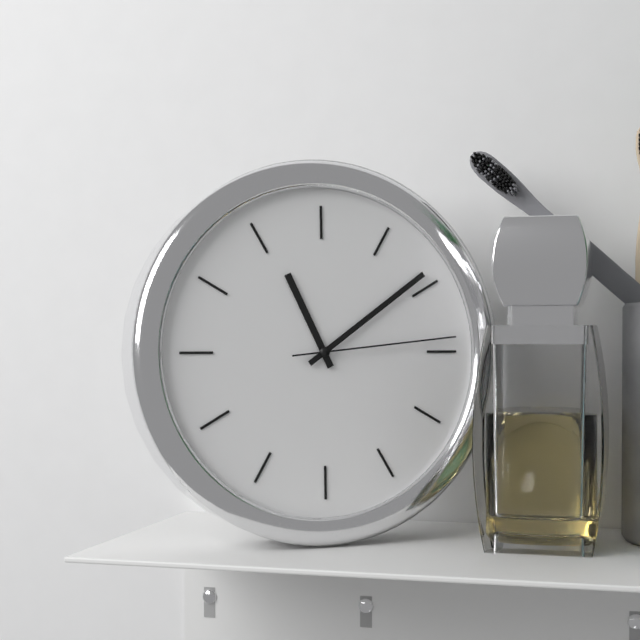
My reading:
11 h 09 min 14 s
